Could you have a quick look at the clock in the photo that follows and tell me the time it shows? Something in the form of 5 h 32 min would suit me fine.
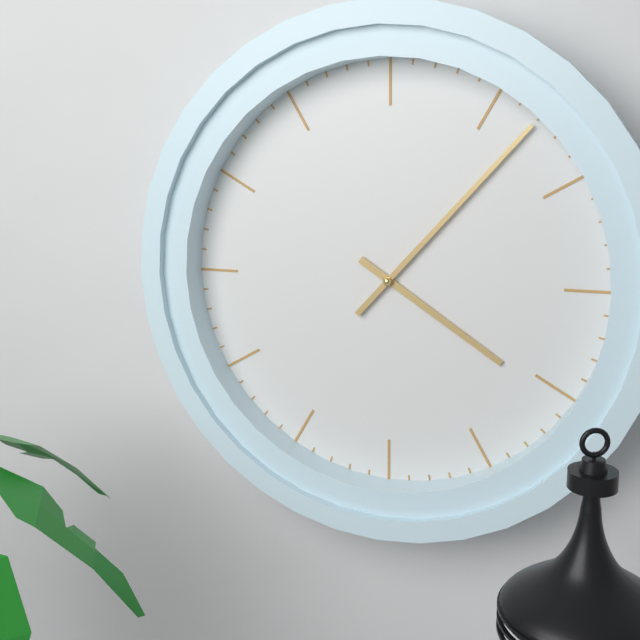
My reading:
4 h 07 min
